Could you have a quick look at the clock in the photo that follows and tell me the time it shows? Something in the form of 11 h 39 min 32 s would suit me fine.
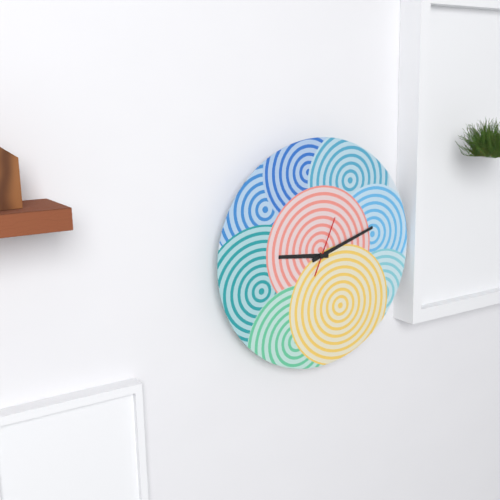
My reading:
9 h 12 min 04 s
